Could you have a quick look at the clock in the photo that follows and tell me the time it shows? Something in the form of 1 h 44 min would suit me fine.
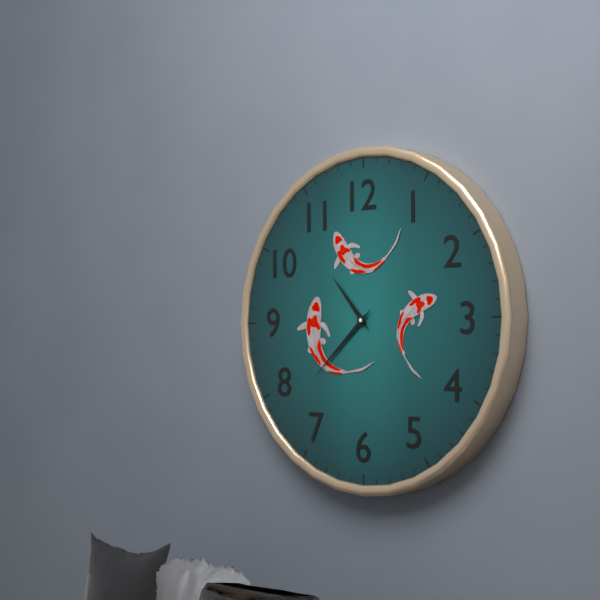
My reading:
10 h 38 min
